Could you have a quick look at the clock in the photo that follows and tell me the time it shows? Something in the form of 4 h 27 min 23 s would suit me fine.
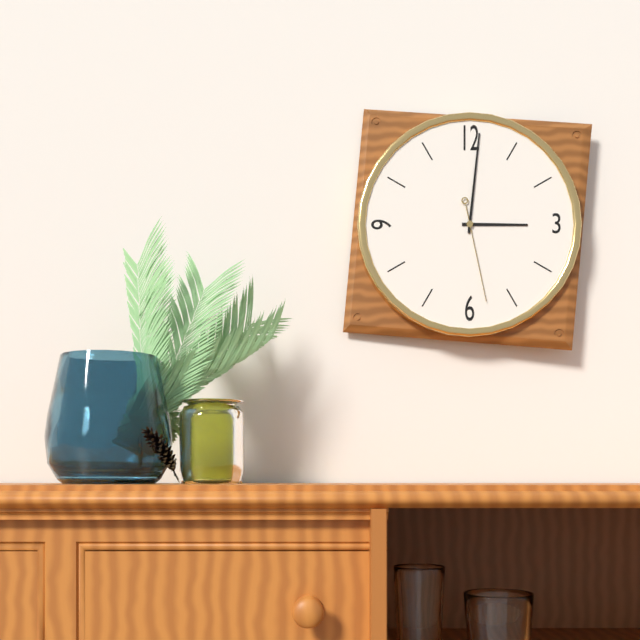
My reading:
3 h 01 min 28 s
